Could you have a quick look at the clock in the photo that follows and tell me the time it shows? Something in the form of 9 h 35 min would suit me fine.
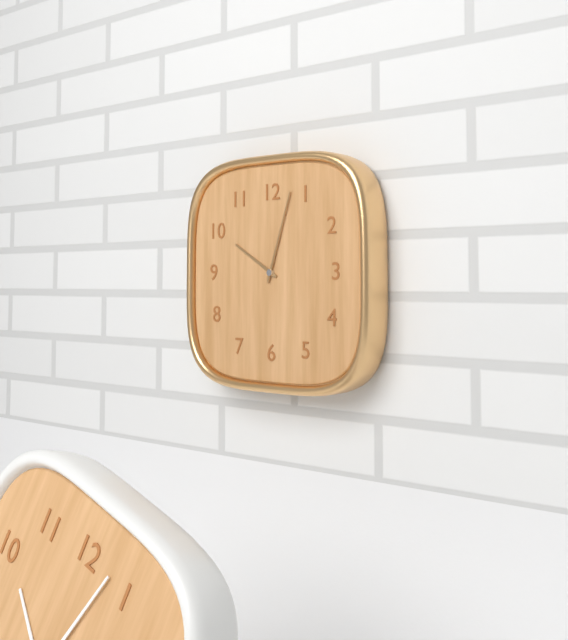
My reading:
10 h 03 min
